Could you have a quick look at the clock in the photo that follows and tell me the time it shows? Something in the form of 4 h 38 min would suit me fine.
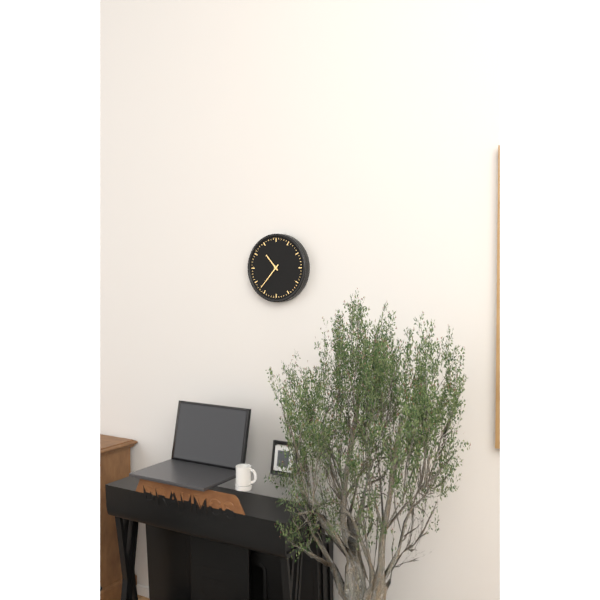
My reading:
10 h 37 min
